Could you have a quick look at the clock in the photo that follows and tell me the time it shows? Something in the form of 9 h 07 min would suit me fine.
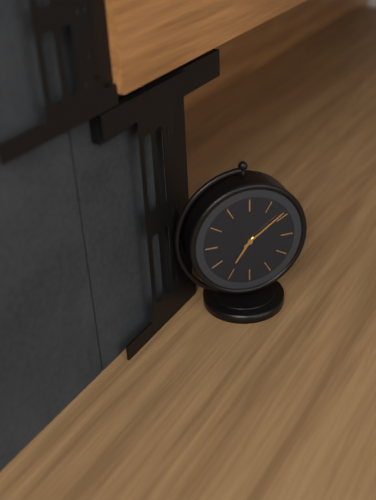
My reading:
7 h 09 min
